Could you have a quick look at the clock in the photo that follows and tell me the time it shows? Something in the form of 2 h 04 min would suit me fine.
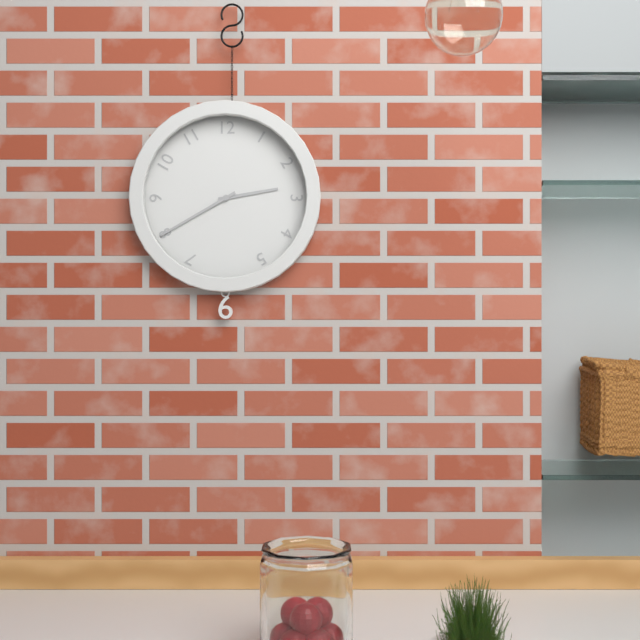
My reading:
2 h 40 min
